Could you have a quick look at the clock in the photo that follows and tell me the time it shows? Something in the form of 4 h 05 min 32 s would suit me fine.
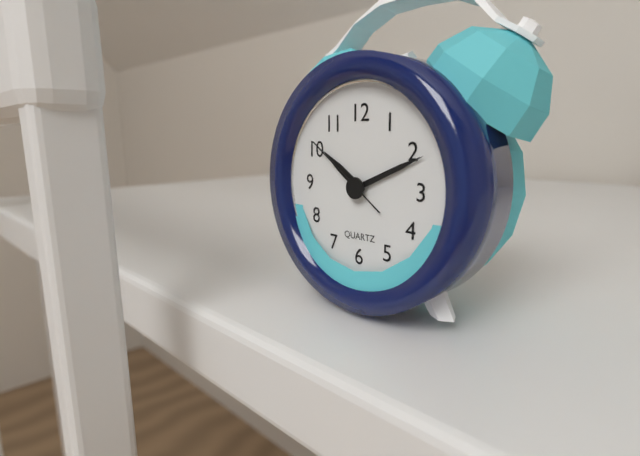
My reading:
10 h 11 min 51 s
